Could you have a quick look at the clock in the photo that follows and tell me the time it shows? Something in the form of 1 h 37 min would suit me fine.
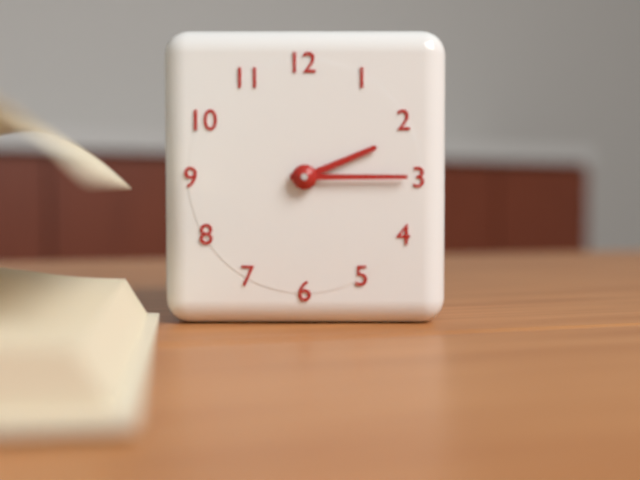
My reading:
2 h 15 min
